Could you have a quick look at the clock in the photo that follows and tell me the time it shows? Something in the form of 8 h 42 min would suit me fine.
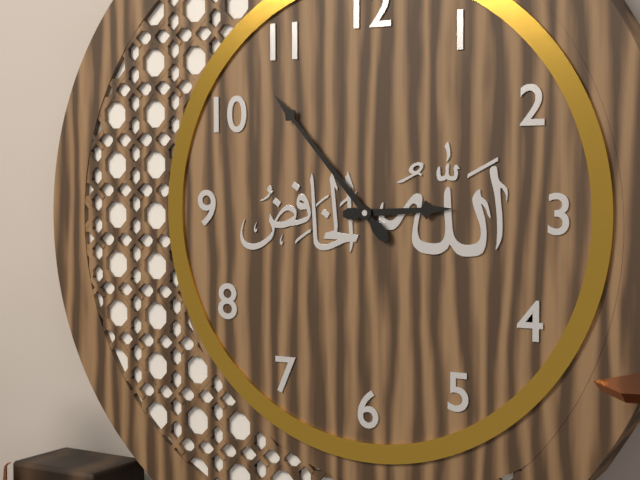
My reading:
2 h 53 min
